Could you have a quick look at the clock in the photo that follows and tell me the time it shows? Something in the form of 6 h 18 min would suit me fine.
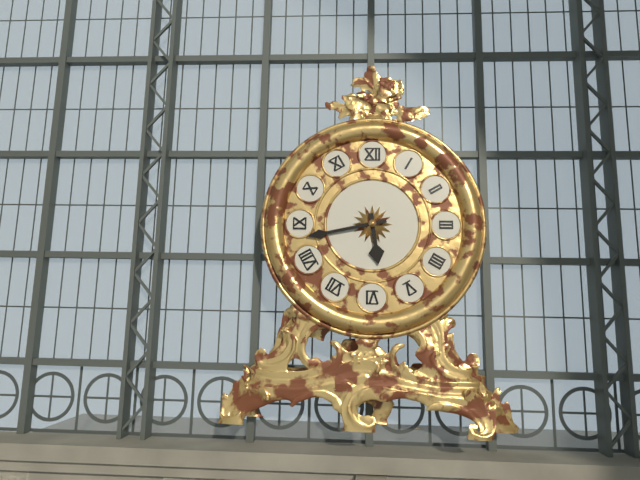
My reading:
5 h 43 min
